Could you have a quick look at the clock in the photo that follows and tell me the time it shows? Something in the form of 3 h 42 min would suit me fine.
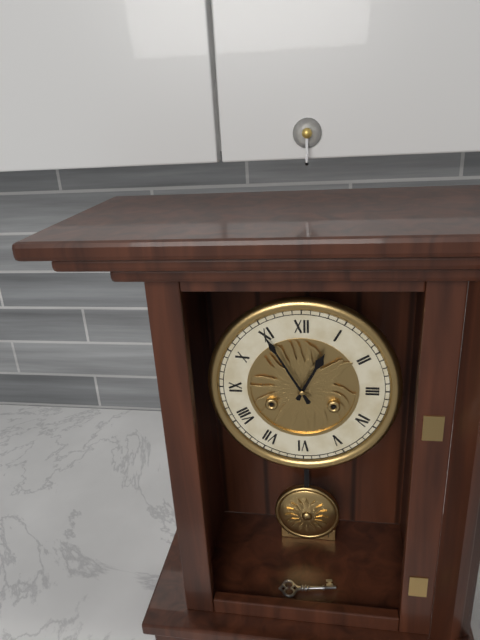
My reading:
12 h 55 min
